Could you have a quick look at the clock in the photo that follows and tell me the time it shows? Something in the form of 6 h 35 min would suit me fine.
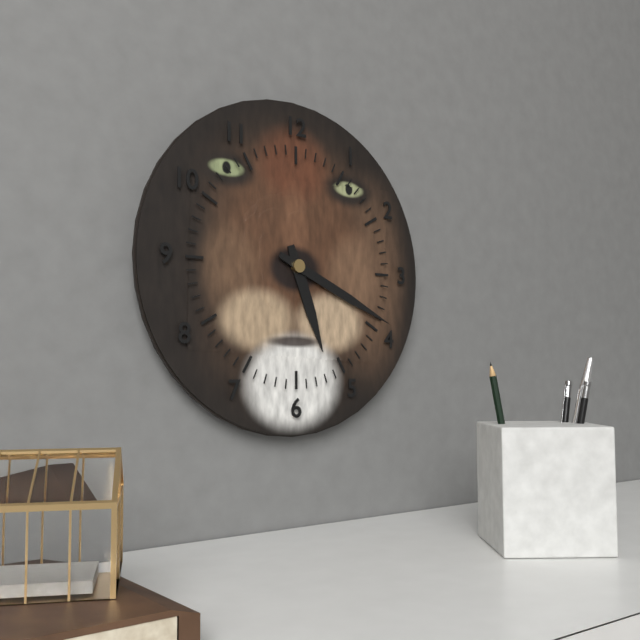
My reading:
5 h 19 min
